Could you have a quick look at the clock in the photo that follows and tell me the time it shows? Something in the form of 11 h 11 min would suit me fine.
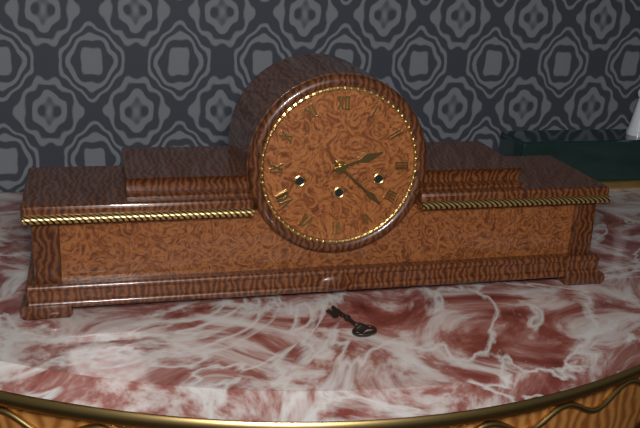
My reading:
2 h 22 min
